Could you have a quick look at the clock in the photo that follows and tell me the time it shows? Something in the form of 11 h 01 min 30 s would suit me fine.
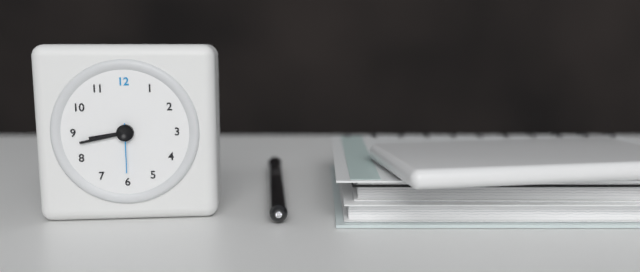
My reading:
8 h 43 min 30 s
